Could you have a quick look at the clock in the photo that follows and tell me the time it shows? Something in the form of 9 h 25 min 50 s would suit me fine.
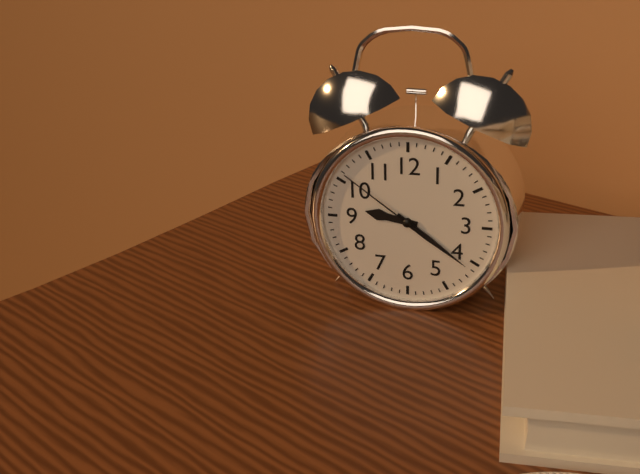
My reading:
9 h 21 min 51 s
